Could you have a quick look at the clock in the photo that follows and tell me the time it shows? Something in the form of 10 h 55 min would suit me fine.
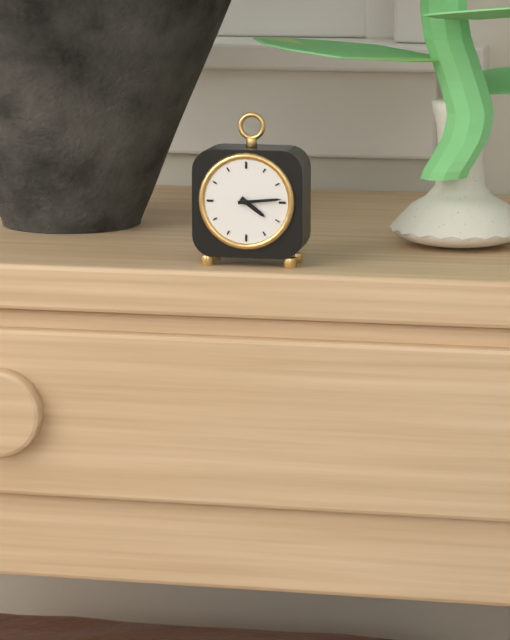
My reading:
4 h 14 min
